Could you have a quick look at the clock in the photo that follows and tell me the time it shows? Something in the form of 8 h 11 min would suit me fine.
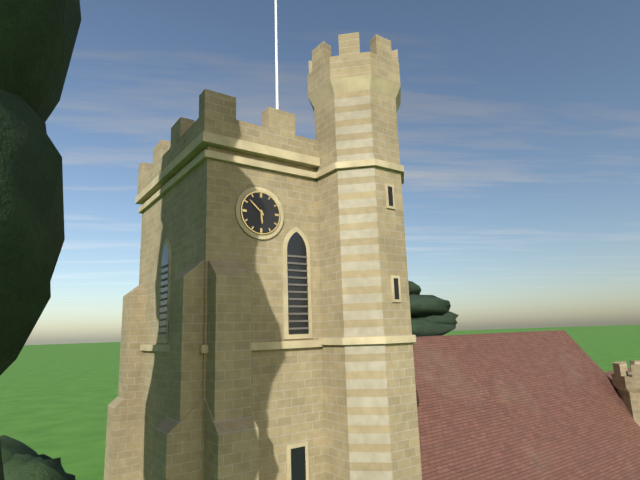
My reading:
5 h 52 min
